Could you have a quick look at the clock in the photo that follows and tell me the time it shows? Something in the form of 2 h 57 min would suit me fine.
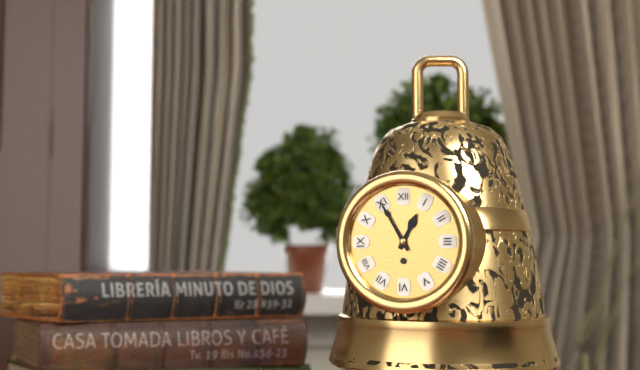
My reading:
12 h 55 min
